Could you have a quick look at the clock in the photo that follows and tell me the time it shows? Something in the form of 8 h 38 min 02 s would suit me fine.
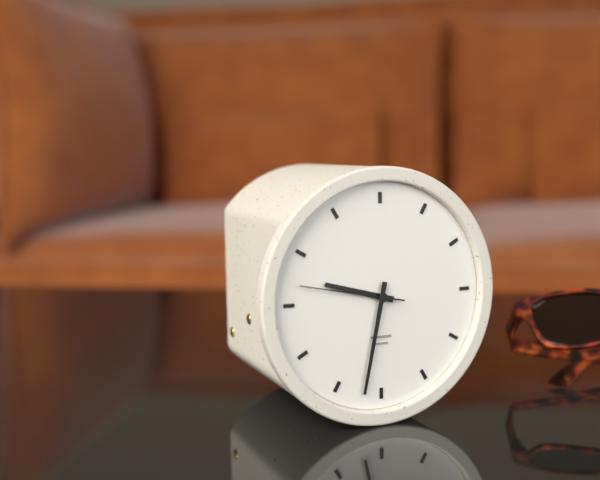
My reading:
9 h 32 min 47 s
